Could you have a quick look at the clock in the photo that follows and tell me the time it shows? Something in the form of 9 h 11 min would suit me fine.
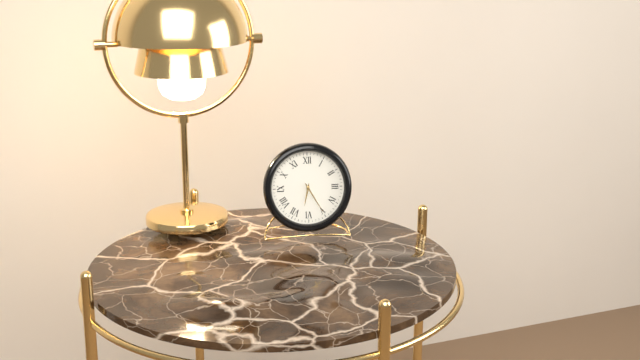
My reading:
6 h 25 min
